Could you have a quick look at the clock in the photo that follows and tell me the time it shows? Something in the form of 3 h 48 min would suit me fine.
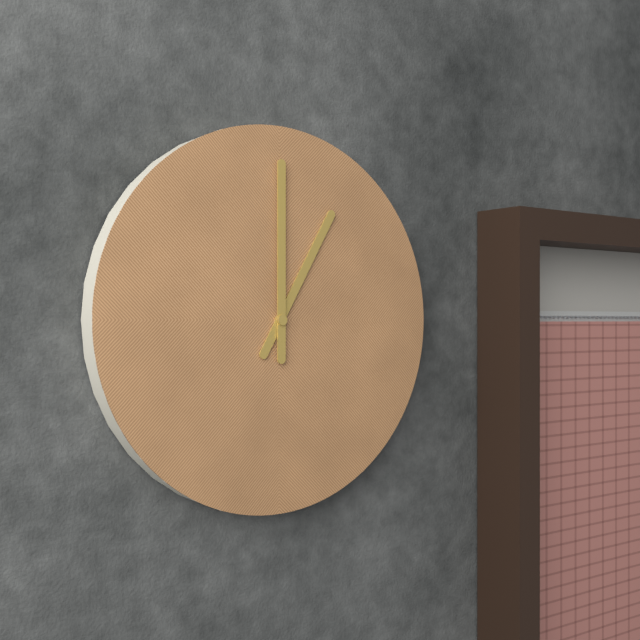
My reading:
1 h 00 min
